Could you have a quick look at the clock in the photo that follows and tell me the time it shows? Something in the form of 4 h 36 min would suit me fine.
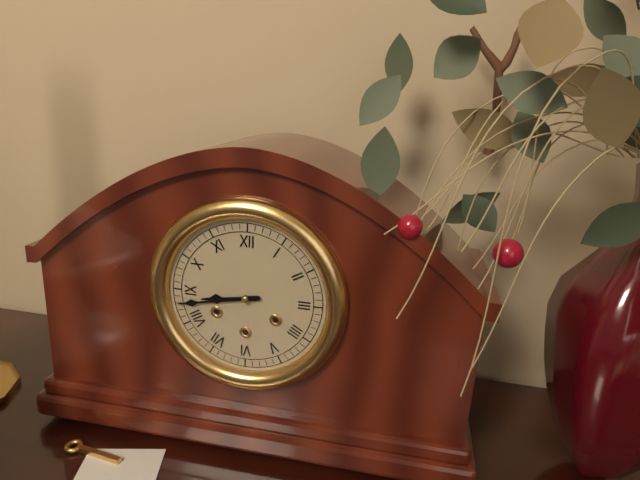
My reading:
8 h 43 min
